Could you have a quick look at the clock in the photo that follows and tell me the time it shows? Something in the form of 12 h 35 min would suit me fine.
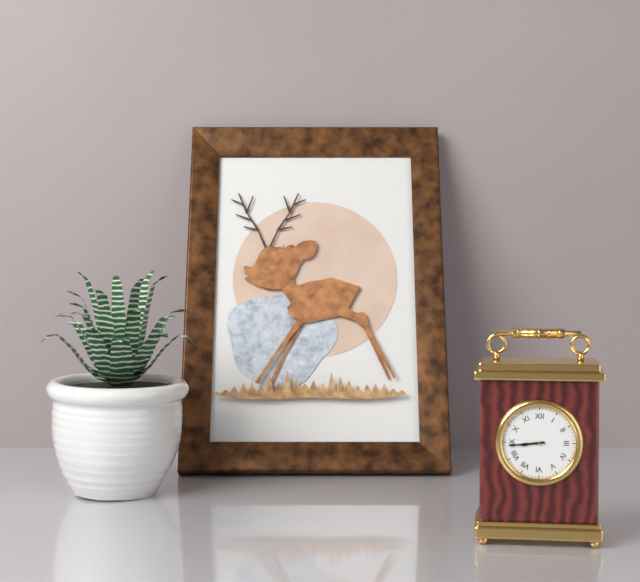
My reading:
8 h 44 min
